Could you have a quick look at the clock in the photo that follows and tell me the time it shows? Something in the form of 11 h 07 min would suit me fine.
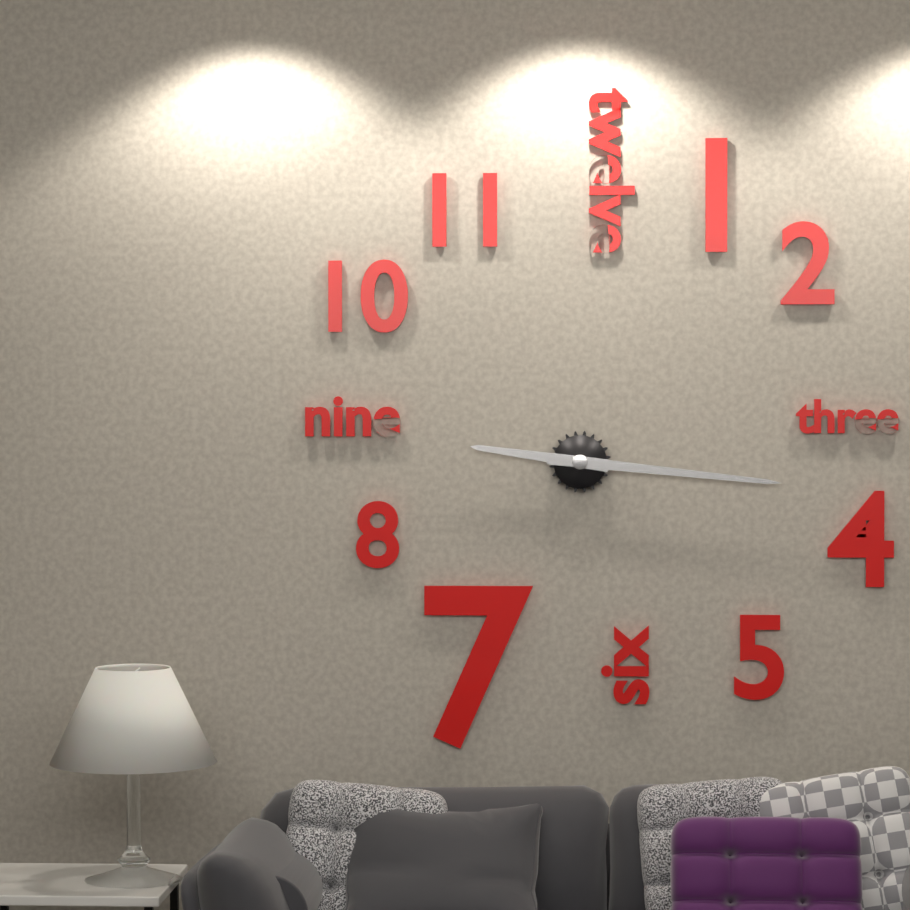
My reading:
9 h 16 min
